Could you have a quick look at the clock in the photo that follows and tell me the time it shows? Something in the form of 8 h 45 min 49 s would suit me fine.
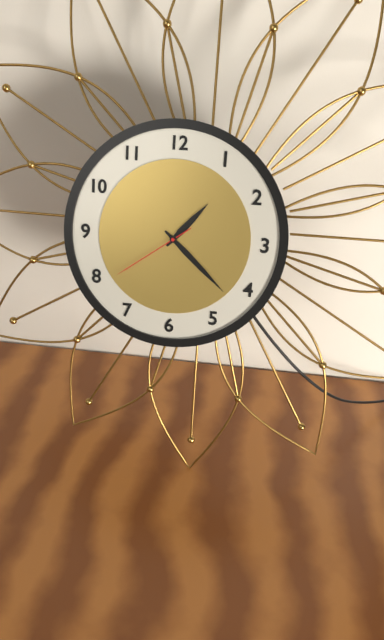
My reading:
1 h 22 min 39 s
